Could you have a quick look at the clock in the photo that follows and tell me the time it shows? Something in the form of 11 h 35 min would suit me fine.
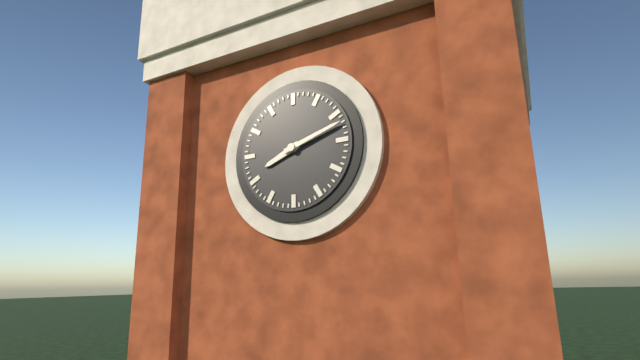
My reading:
8 h 12 min
